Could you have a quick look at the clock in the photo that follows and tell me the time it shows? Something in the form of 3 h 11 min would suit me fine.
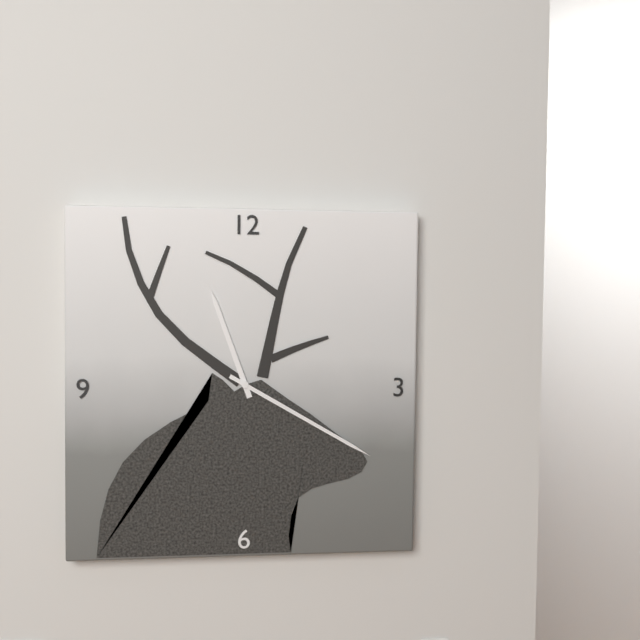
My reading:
11 h 20 min
